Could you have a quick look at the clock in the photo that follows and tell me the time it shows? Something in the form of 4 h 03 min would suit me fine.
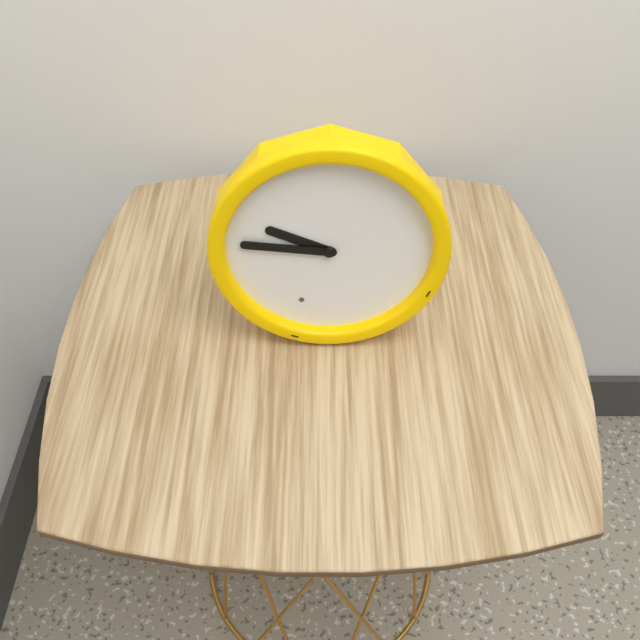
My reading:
9 h 46 min
